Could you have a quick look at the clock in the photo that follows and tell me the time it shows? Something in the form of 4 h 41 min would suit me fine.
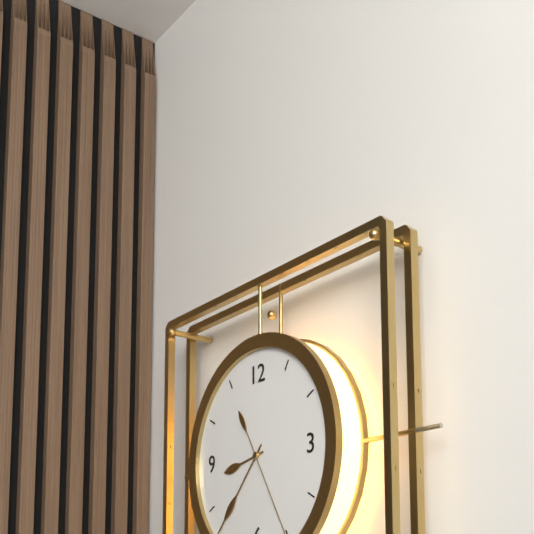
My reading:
8 h 37 min
